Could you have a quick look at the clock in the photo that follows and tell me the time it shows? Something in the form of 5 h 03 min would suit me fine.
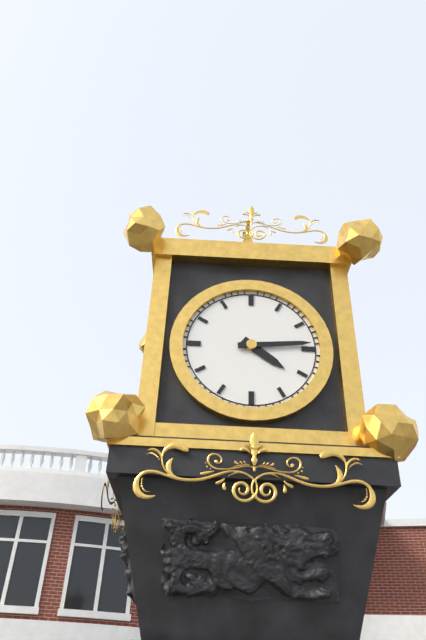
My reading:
4 h 14 min
